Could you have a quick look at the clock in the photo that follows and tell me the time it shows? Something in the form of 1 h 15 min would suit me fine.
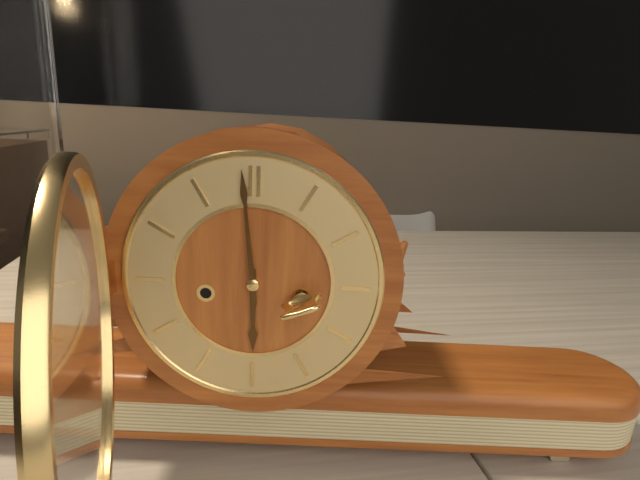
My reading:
5 h 59 min
